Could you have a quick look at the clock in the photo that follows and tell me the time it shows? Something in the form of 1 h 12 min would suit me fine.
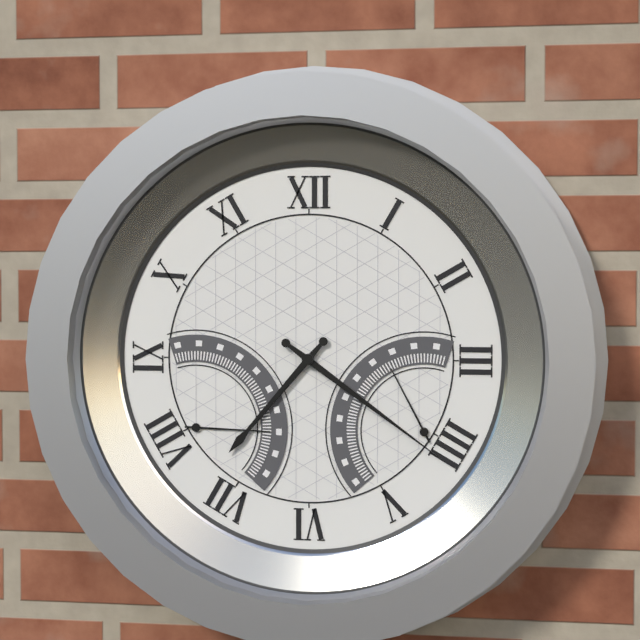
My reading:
7 h 21 min
